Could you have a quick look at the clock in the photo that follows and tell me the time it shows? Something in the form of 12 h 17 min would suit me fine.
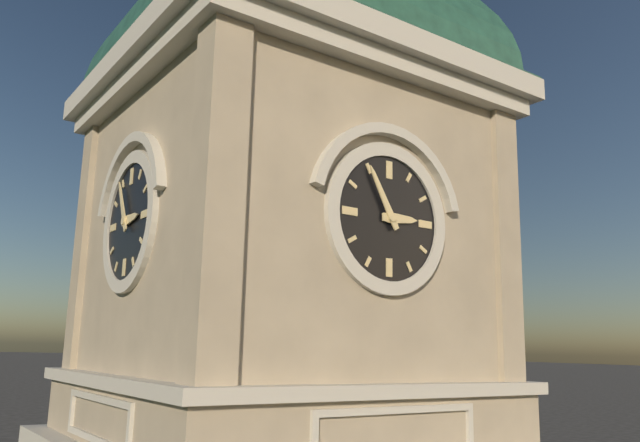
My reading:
2 h 55 min
